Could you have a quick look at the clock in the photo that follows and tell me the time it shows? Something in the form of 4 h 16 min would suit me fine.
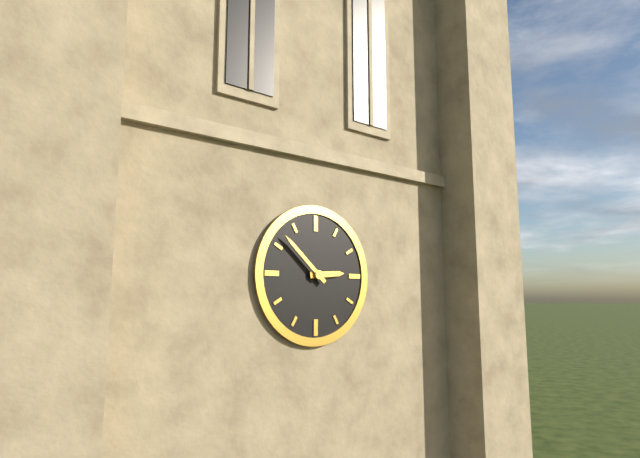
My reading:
2 h 52 min
